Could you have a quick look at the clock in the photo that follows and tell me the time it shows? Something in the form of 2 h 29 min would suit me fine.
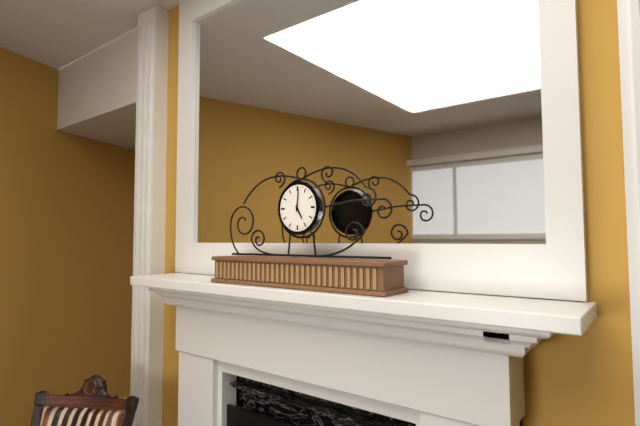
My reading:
5 h 01 min
